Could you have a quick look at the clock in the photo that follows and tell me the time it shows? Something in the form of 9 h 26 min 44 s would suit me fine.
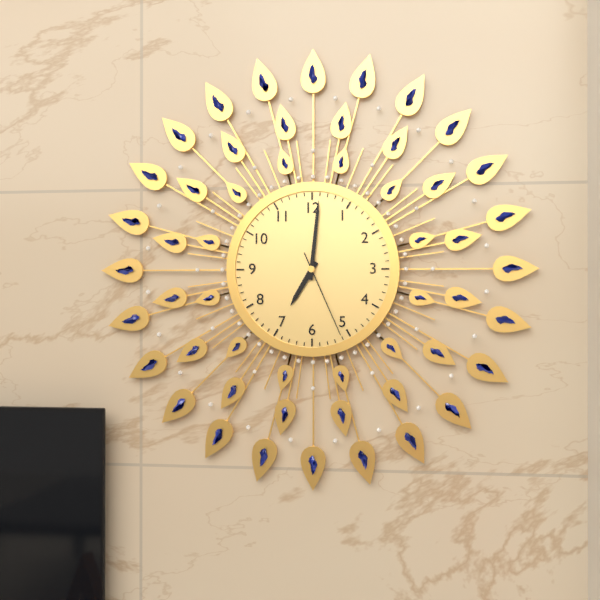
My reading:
7 h 01 min 26 s
